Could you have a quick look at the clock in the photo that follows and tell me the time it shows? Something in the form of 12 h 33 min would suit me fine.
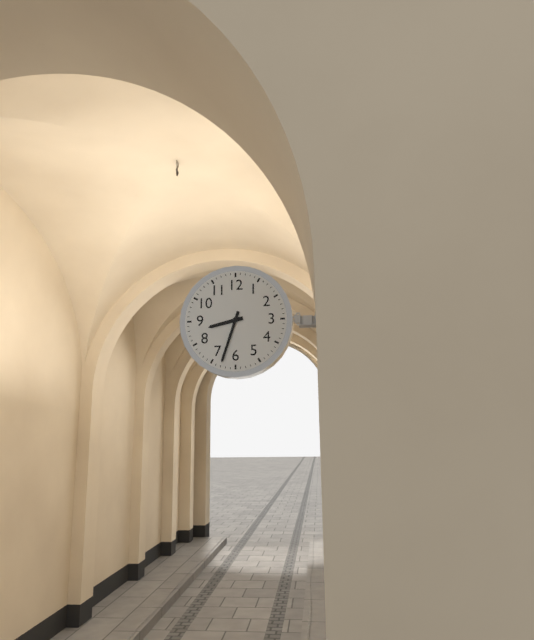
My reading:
8 h 33 min
